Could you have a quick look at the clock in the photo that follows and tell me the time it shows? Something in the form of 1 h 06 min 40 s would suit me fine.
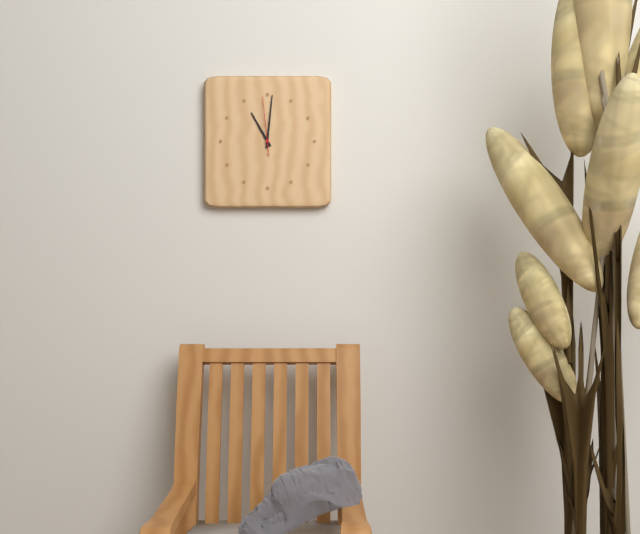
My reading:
11 h 01 min 59 s
